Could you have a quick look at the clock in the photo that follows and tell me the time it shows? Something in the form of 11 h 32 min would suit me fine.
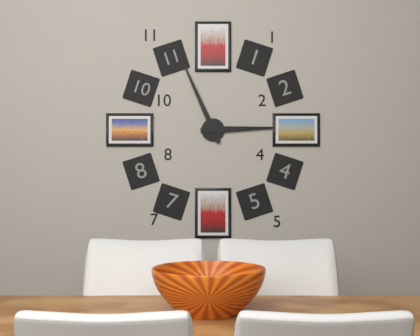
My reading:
2 h 56 min
